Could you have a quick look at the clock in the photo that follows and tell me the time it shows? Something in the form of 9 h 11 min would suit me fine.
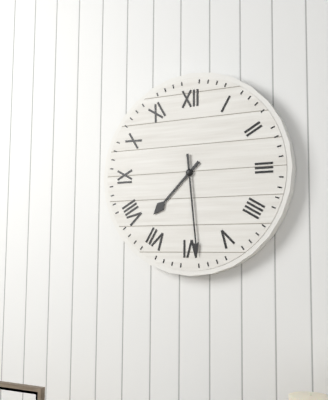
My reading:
7 h 29 min
